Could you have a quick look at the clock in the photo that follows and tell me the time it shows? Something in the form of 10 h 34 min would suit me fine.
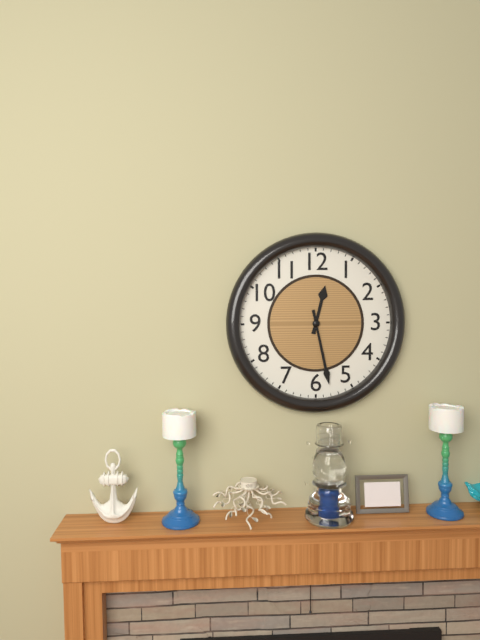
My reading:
12 h 28 min
